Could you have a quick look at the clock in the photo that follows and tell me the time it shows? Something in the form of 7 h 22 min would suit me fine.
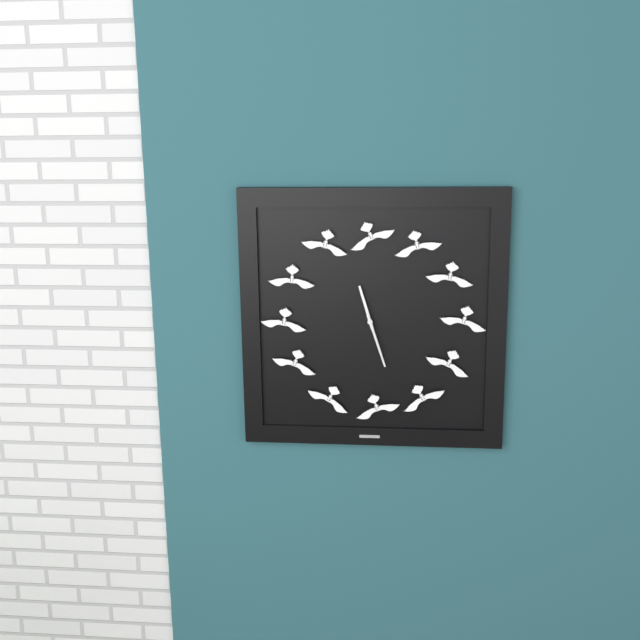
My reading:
11 h 27 min
